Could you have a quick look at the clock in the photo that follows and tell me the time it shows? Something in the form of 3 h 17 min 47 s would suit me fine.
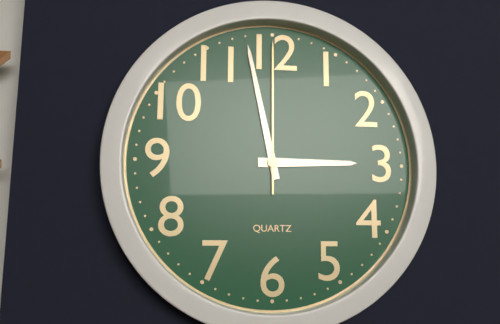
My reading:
2 h 58 min 00 s
